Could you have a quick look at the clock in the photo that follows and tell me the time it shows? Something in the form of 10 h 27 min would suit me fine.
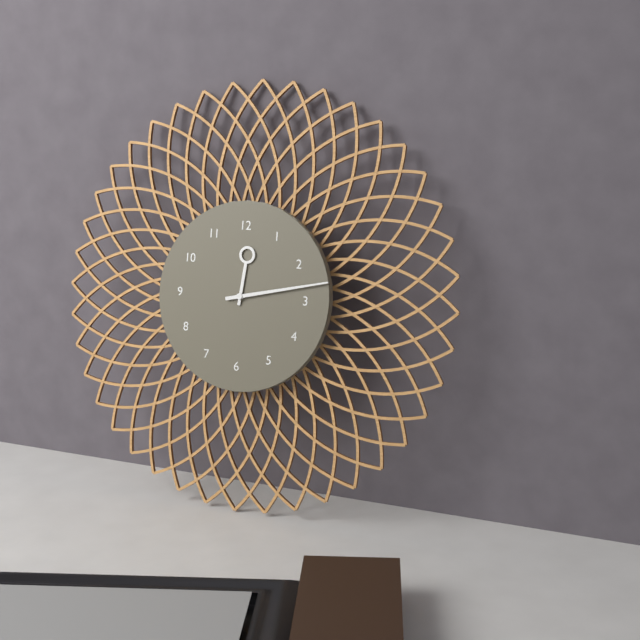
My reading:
12 h 13 min
